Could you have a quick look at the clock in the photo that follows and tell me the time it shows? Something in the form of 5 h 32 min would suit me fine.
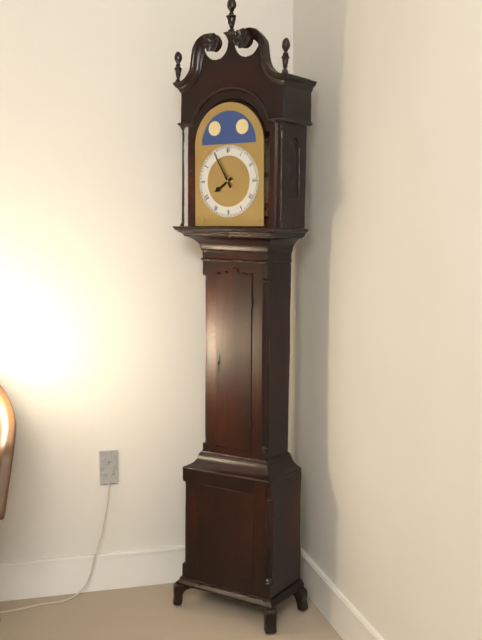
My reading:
7 h 55 min
